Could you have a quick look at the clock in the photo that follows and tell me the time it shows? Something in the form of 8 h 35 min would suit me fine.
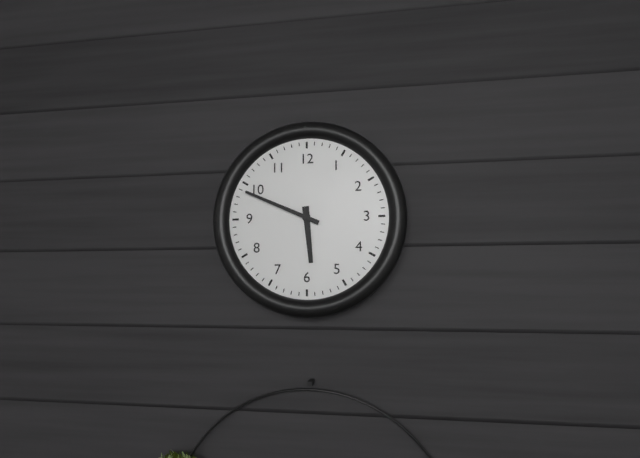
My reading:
5 h 49 min
